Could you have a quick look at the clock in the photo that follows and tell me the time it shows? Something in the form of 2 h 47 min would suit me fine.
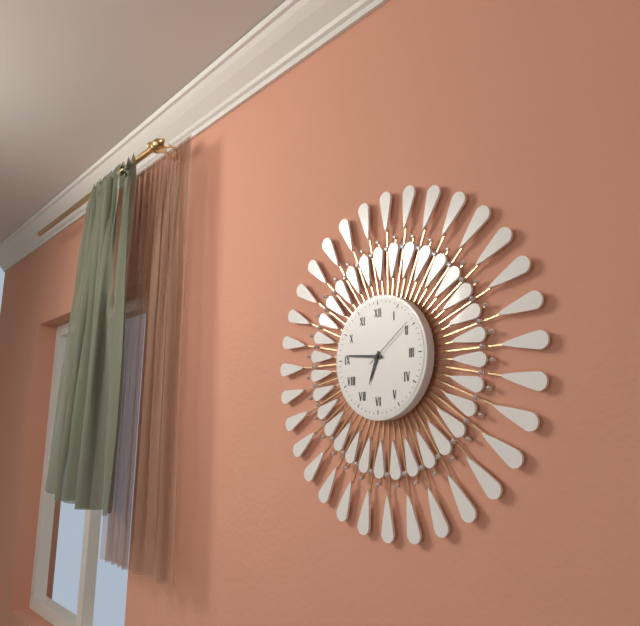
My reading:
6 h 46 min
